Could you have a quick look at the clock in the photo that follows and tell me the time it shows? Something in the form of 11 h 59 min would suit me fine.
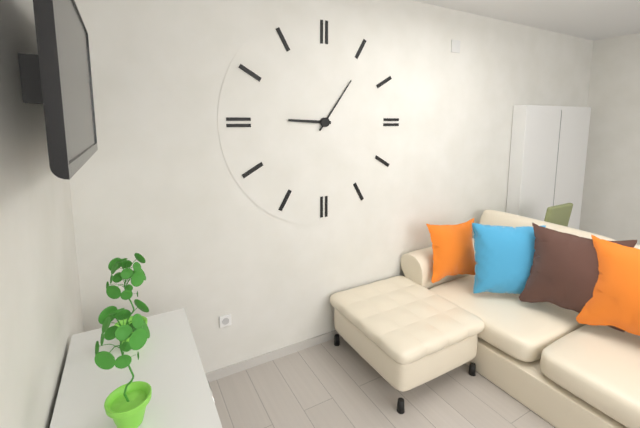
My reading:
9 h 06 min
